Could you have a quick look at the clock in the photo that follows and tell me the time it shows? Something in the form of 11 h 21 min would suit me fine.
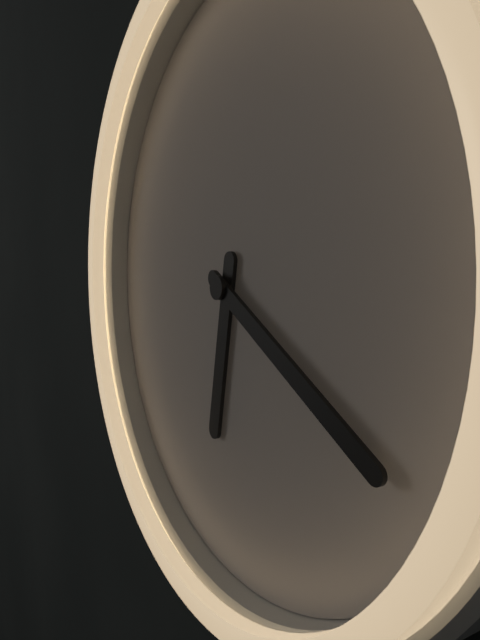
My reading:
6 h 20 min
